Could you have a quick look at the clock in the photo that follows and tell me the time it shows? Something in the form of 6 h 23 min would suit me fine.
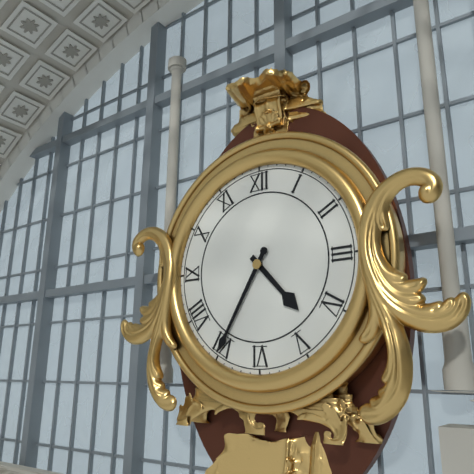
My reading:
4 h 35 min
